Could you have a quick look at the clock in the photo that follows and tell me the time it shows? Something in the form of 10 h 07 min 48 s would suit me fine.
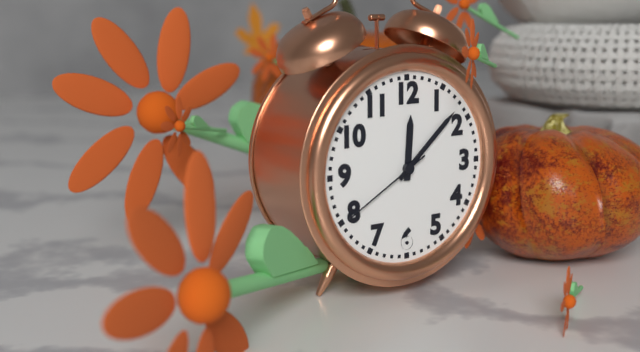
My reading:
12 h 08 min 40 s
